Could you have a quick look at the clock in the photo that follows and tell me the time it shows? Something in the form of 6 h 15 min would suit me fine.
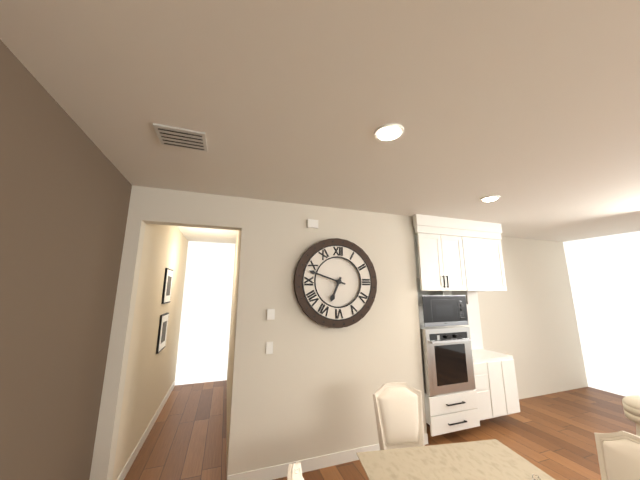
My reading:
6 h 48 min
